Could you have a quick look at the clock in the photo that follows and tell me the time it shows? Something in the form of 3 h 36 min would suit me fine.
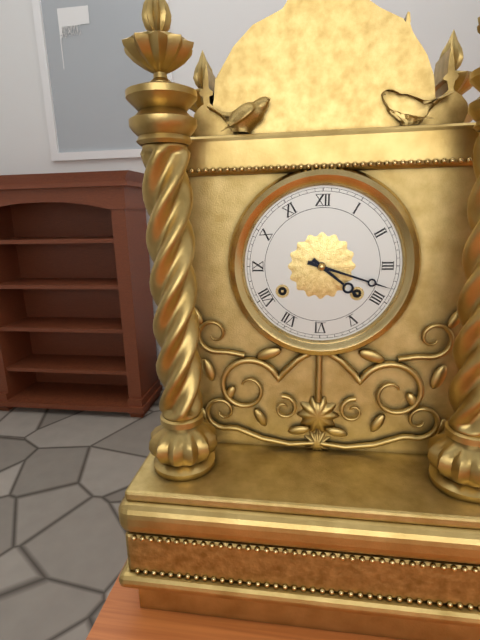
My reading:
4 h 18 min
